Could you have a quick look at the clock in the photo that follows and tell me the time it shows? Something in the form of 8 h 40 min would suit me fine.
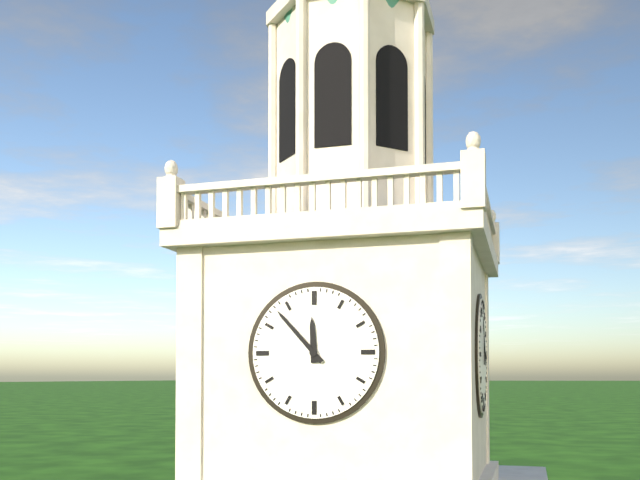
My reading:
11 h 53 min
